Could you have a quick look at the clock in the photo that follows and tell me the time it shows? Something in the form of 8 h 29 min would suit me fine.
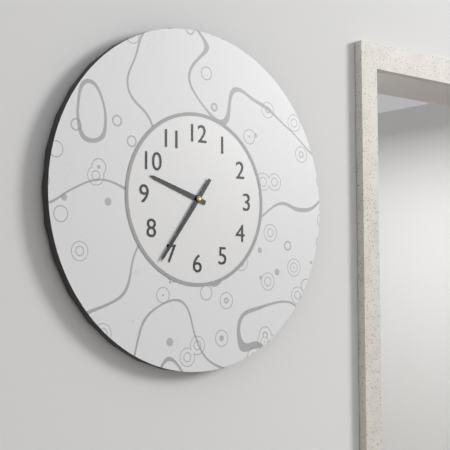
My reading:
9 h 36 min
